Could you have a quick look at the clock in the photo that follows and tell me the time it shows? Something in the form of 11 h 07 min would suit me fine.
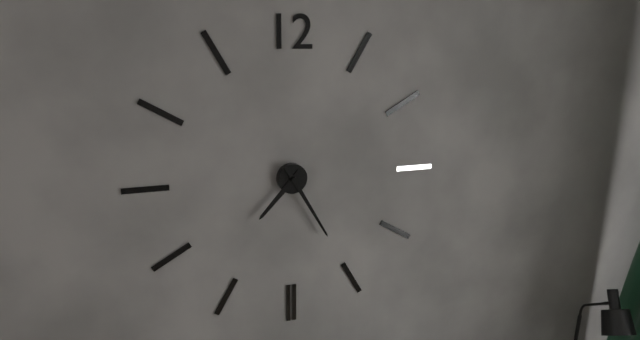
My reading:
7 h 25 min
